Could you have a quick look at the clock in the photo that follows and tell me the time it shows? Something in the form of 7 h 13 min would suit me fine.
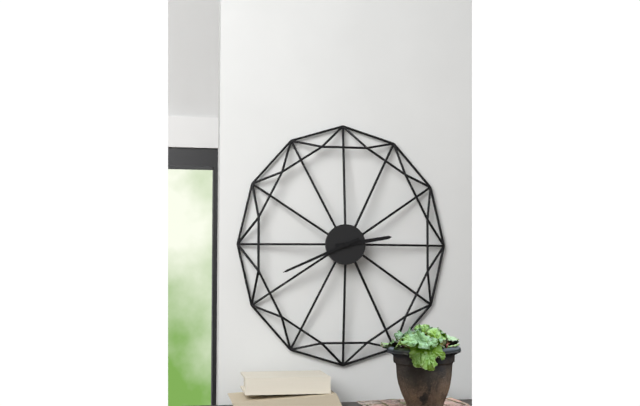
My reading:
2 h 41 min
